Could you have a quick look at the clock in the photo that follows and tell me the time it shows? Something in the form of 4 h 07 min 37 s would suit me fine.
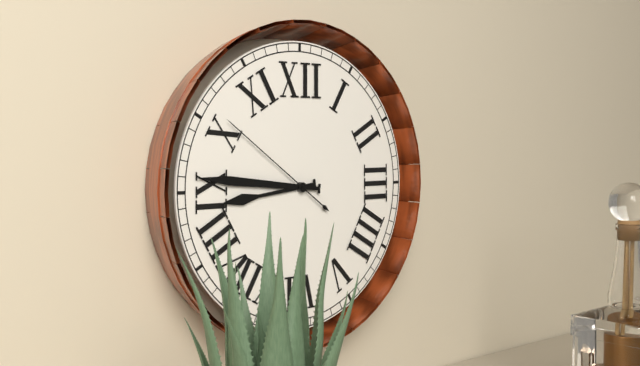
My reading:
8 h 46 min 51 s
